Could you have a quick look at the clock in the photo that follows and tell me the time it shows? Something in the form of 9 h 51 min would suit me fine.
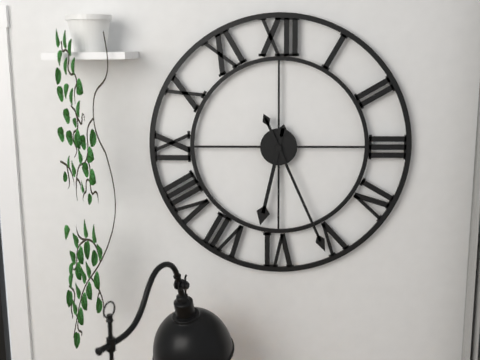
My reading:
6 h 26 min
